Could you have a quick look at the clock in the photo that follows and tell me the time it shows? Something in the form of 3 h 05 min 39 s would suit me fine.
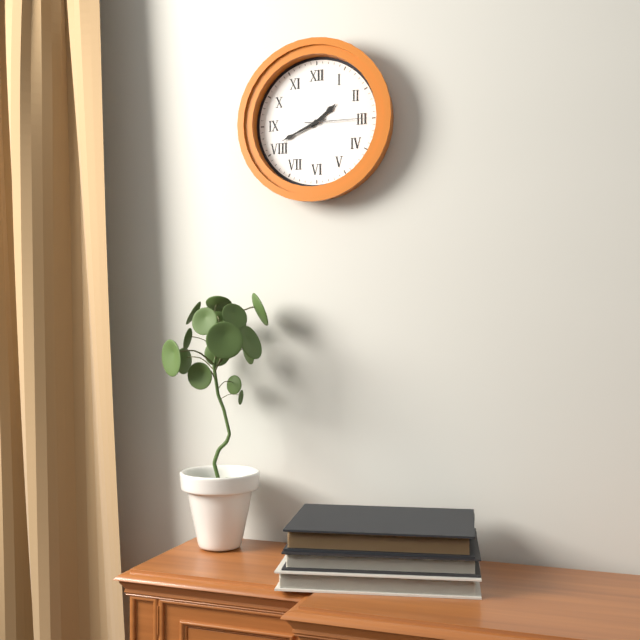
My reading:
1 h 41 min 15 s
